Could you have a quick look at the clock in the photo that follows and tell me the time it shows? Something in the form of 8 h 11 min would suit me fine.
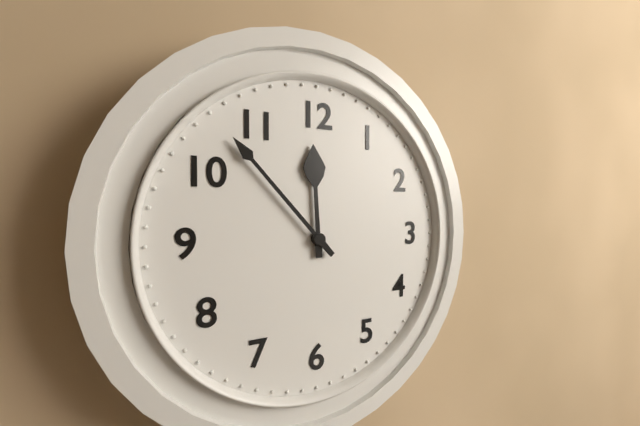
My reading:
11 h 53 min
